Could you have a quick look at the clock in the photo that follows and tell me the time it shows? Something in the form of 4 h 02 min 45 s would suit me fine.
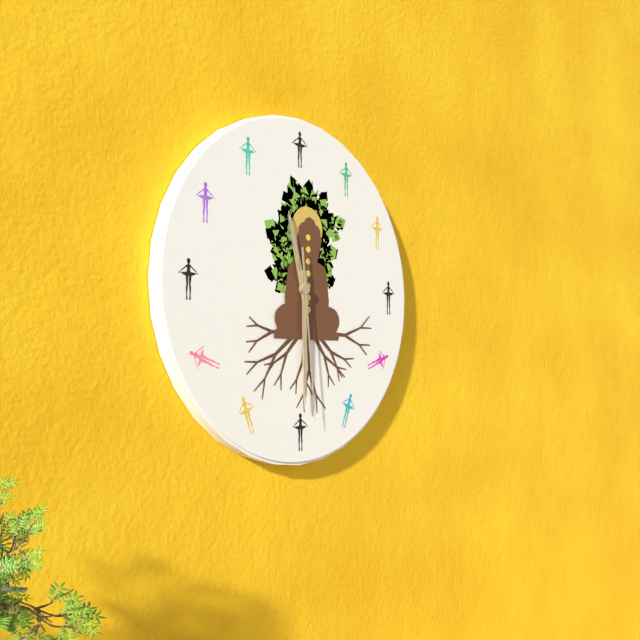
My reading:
11 h 30 min 29 s
